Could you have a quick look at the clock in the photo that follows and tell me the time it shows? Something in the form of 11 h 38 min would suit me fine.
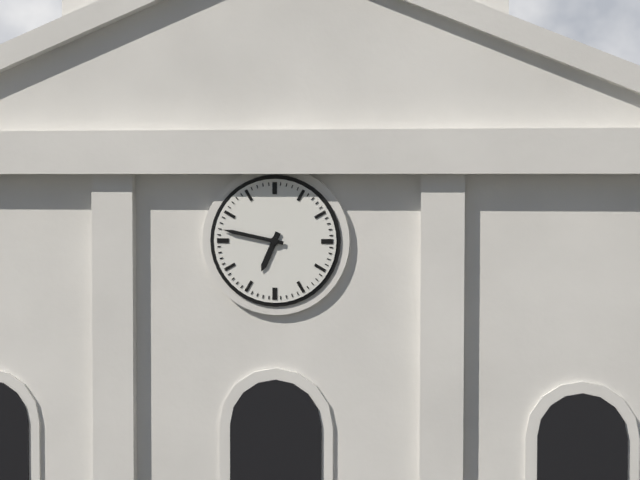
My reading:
6 h 47 min
